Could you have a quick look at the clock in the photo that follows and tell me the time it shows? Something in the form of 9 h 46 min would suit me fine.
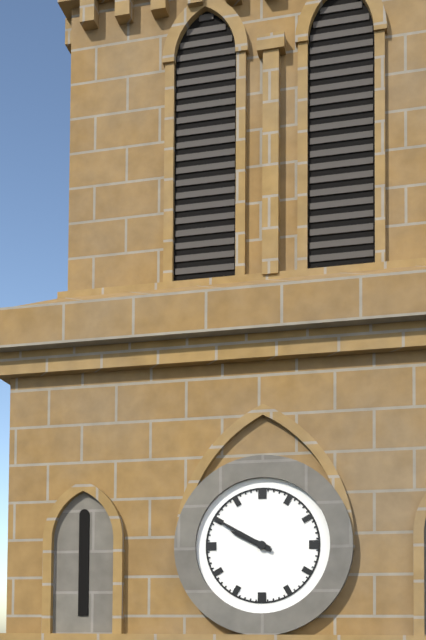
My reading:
9 h 50 min
